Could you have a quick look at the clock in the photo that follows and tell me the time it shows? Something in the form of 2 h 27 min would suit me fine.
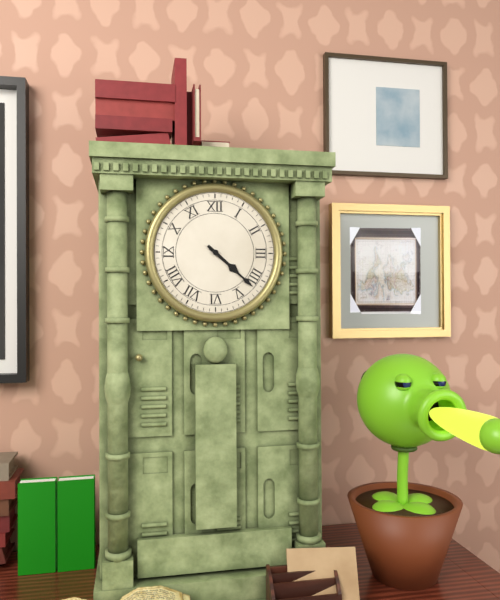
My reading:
4 h 22 min
